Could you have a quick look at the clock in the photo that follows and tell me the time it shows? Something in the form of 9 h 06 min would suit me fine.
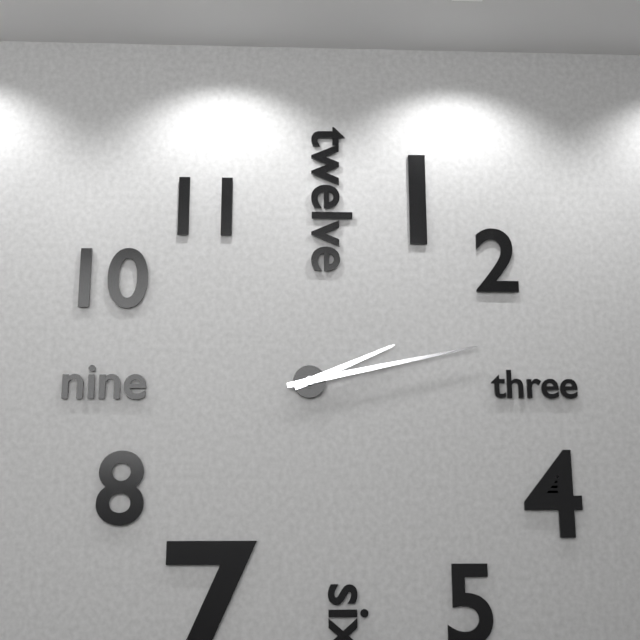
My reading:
2 h 13 min
